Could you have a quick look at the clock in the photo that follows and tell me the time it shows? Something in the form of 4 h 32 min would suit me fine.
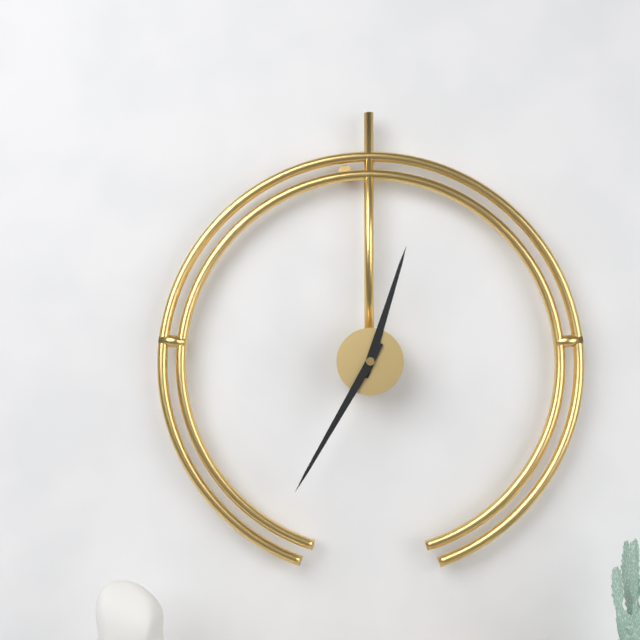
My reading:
12 h 35 min
